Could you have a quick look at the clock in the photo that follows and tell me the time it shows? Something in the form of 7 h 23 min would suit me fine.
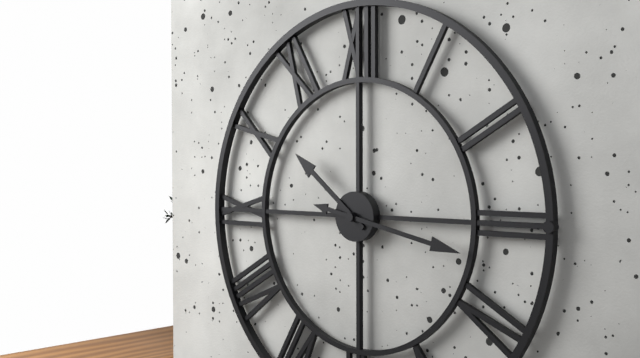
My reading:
10 h 17 min
